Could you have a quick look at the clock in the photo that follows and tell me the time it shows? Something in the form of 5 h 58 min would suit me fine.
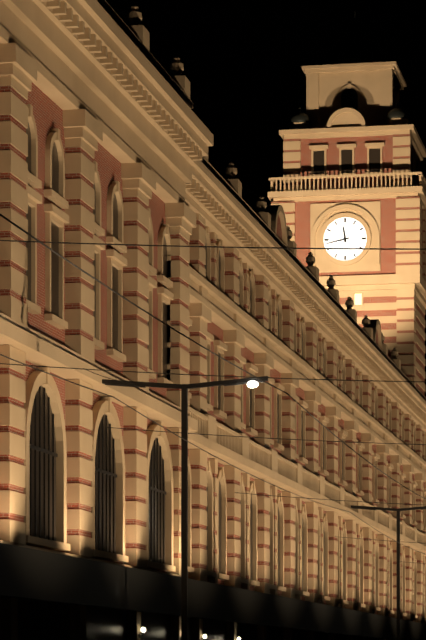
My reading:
11 h 43 min
